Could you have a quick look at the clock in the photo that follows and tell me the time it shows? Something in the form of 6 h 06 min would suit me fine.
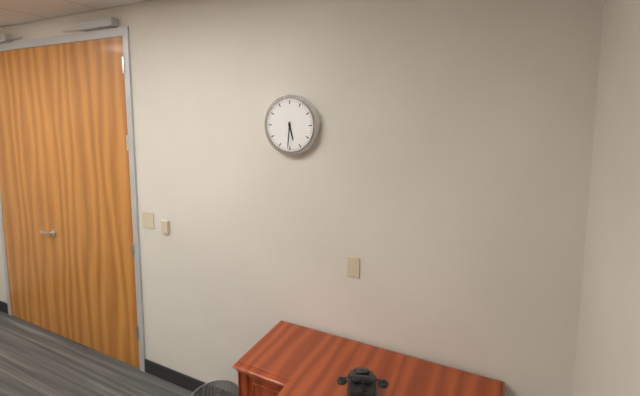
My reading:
5 h 31 min
